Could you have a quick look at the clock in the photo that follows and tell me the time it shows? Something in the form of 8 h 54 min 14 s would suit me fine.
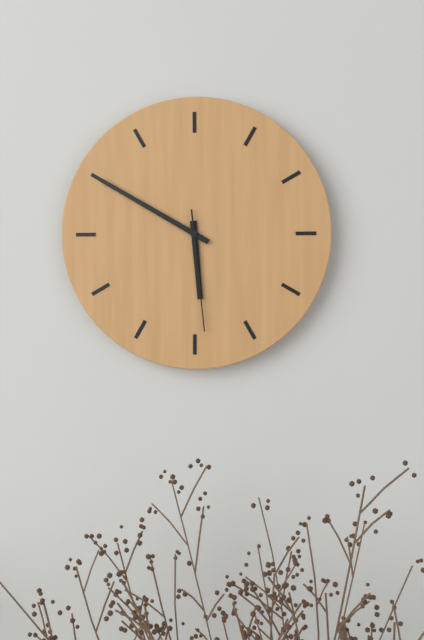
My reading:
5 h 50 min 29 s
